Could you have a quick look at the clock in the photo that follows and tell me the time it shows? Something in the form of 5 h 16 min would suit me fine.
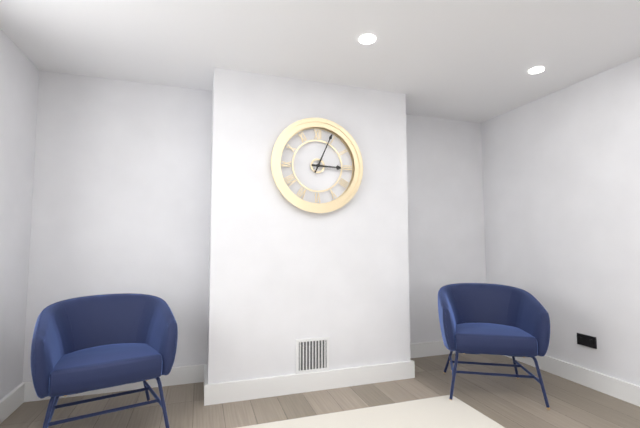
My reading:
3 h 04 min
